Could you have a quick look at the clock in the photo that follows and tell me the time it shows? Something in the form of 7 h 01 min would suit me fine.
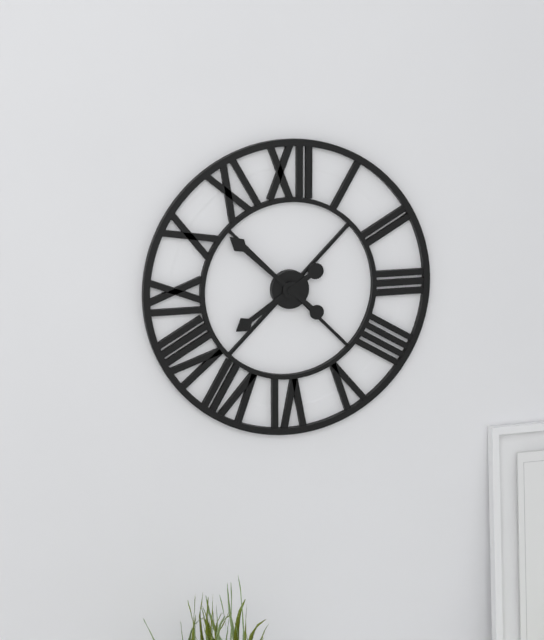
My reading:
7 h 52 min
